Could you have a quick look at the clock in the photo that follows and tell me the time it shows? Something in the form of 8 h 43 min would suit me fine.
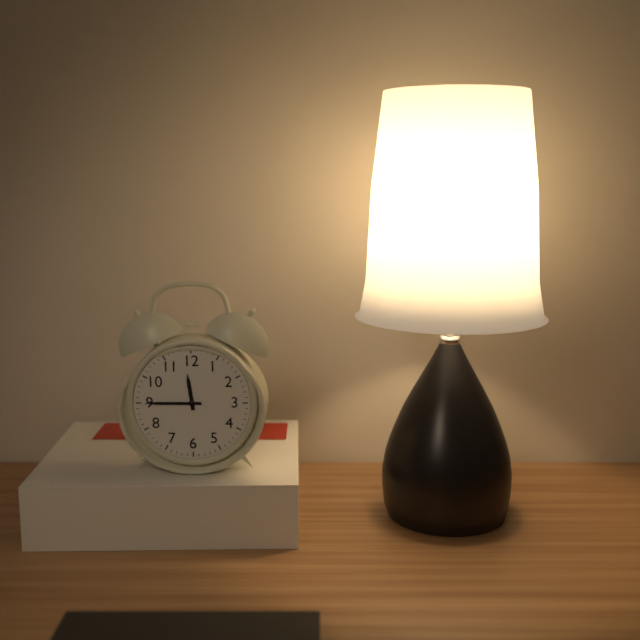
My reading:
11 h 45 min
